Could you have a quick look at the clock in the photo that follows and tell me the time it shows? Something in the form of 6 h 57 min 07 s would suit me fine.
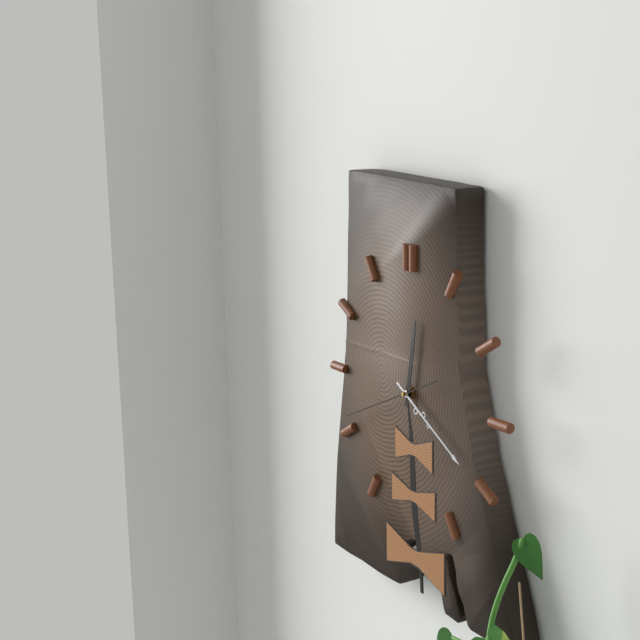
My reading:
12 h 20 min 41 s
